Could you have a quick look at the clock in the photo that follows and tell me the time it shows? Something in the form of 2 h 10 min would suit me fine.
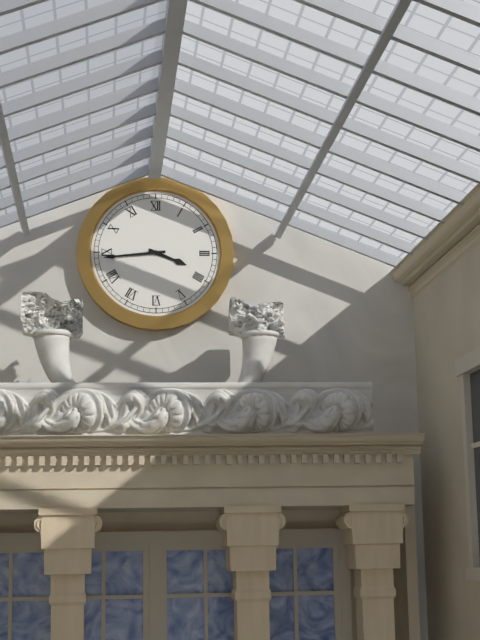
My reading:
3 h 44 min
